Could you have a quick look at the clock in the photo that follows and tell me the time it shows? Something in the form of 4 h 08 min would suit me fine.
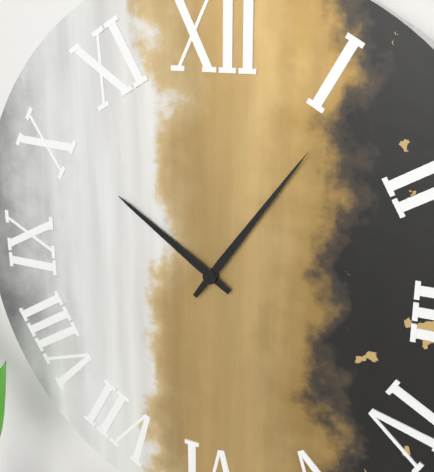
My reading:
10 h 06 min
